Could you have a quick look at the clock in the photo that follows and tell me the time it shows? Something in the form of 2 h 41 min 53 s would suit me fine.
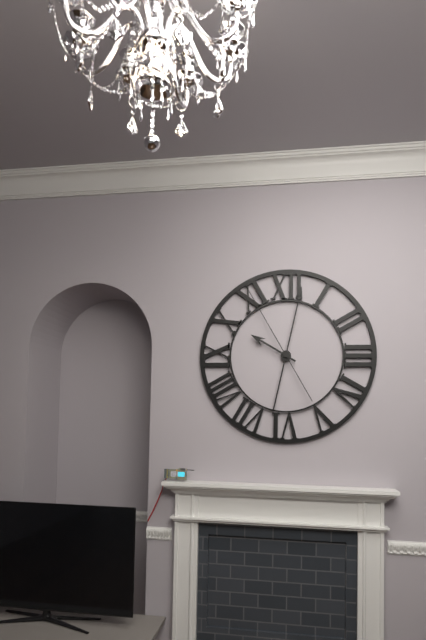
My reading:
10 h 02 min 55 s
